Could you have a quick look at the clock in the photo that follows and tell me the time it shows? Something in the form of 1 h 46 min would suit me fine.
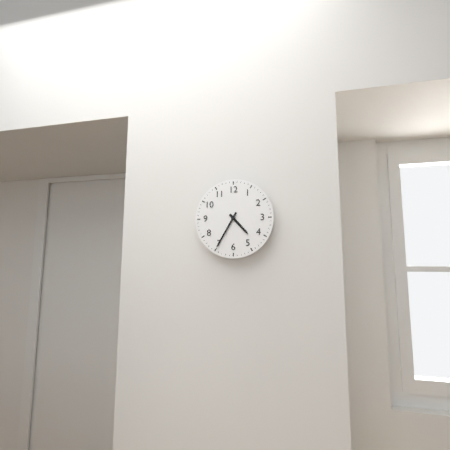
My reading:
4 h 35 min
